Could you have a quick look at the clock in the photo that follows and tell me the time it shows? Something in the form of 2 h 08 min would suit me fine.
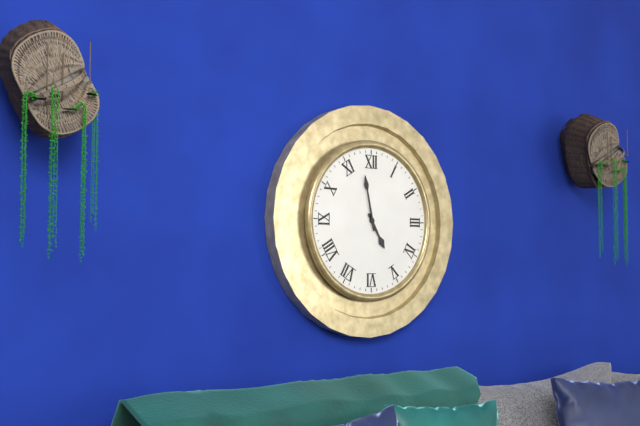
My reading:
4 h 58 min
